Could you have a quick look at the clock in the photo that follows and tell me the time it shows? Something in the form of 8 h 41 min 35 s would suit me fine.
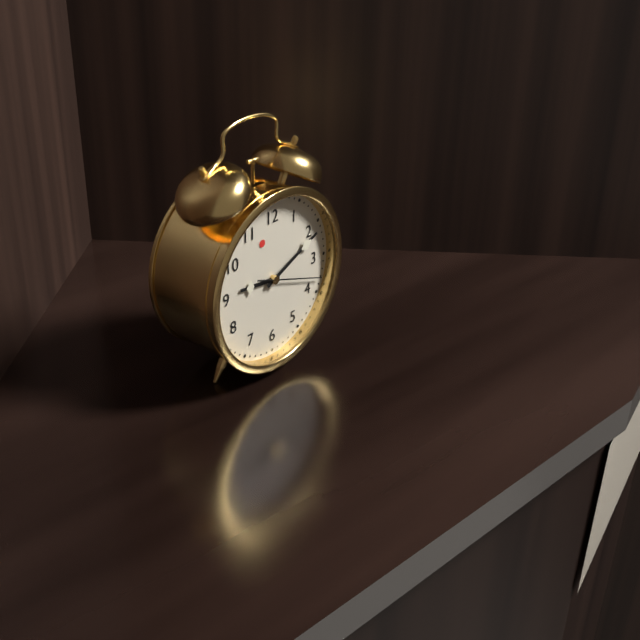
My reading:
9 h 11 min 18 s
